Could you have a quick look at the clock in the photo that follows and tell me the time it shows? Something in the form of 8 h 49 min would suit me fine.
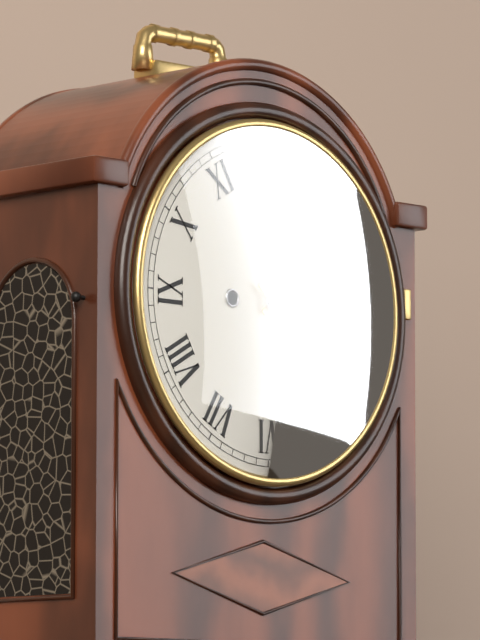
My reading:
1 h 22 min
